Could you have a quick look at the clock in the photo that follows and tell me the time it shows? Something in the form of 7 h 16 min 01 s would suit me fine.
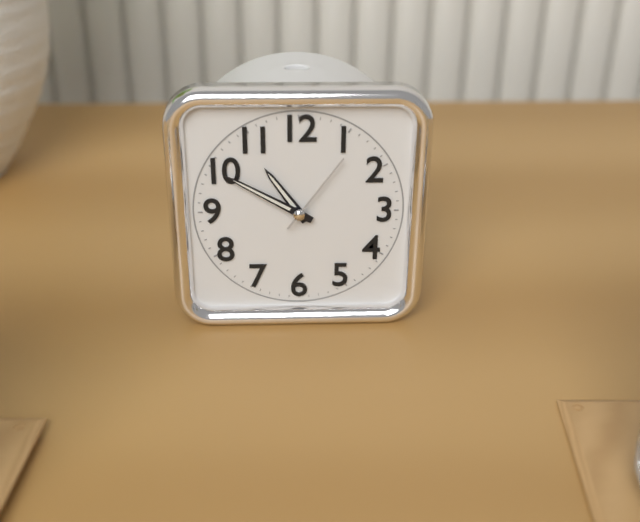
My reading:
10 h 50 min 06 s
